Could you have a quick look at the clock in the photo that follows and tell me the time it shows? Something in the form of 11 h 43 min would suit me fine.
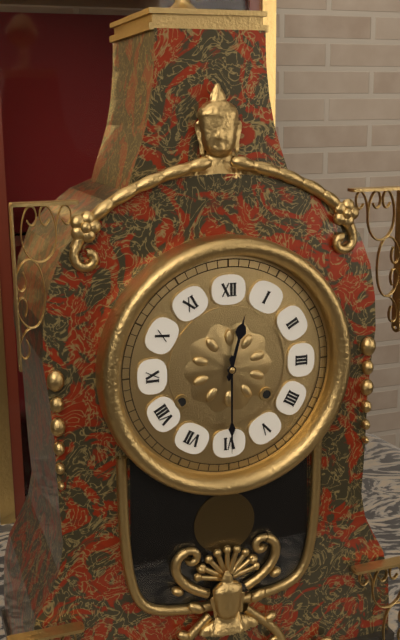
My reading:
12 h 30 min
